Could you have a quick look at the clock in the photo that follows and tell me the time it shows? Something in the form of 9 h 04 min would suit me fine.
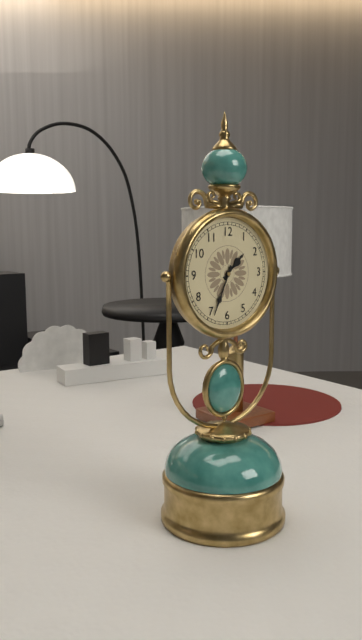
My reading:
1 h 34 min
